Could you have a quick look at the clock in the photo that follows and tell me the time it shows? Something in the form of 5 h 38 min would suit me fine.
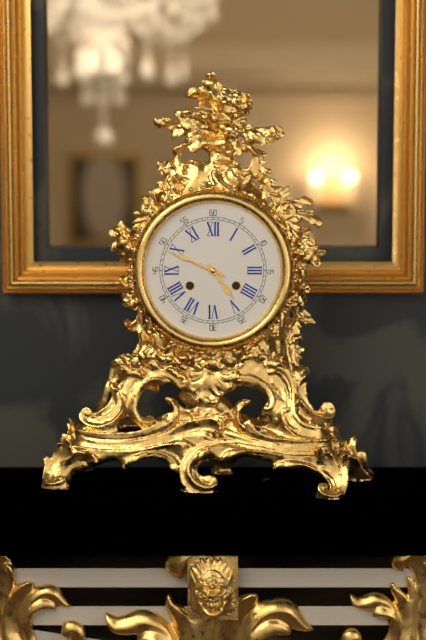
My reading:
4 h 49 min
